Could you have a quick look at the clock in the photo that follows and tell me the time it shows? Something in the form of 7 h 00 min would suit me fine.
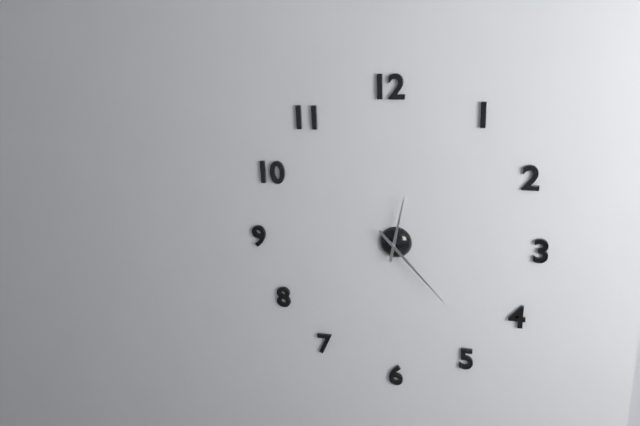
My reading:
12 h 23 min
